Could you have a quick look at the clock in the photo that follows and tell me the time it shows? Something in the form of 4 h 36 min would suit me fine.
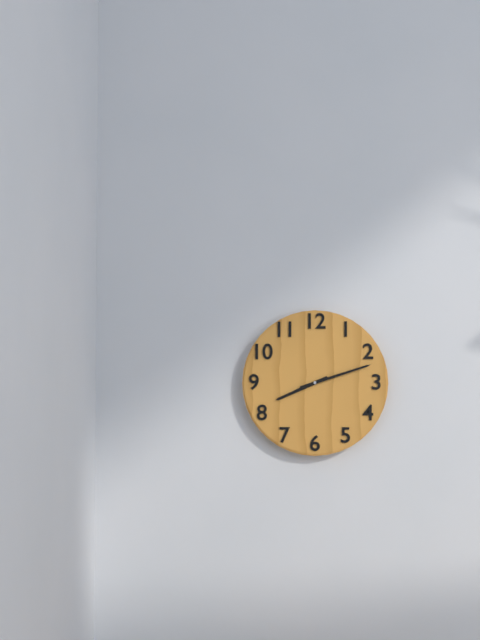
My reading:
8 h 12 min
